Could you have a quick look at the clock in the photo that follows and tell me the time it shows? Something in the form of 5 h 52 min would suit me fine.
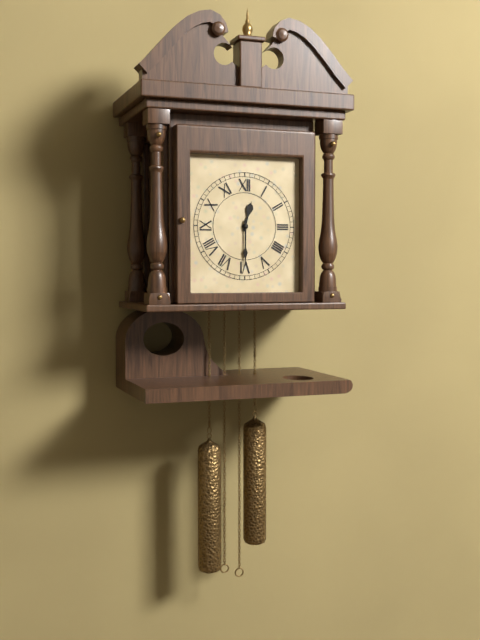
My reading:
12 h 30 min
